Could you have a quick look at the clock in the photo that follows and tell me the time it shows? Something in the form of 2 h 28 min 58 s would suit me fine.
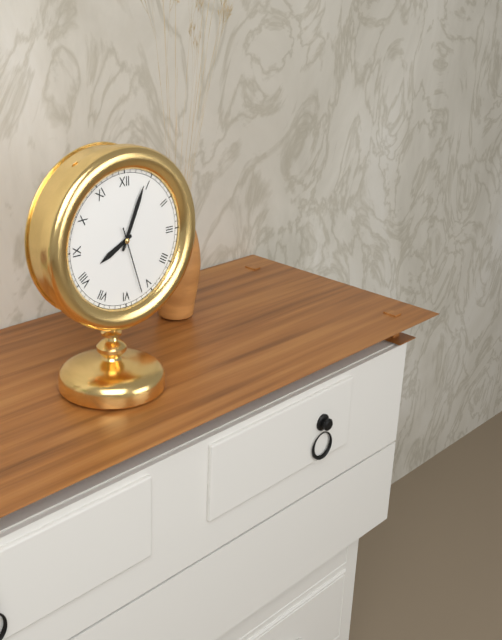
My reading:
8 h 04 min 27 s
